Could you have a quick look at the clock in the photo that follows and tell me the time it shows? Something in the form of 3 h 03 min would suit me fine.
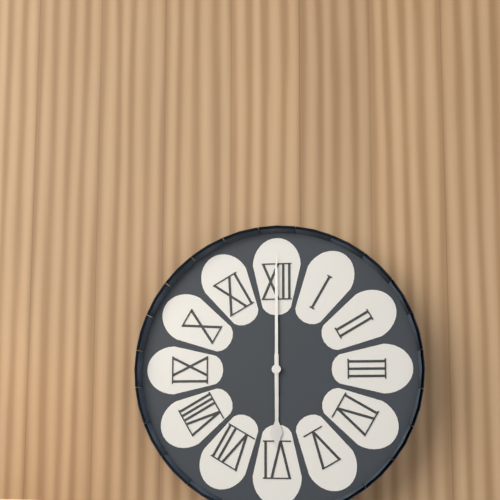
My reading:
6 h 00 min
